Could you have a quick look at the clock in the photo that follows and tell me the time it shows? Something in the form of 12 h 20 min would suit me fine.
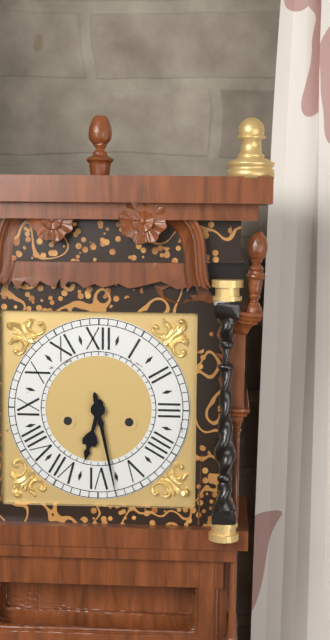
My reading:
6 h 28 min
